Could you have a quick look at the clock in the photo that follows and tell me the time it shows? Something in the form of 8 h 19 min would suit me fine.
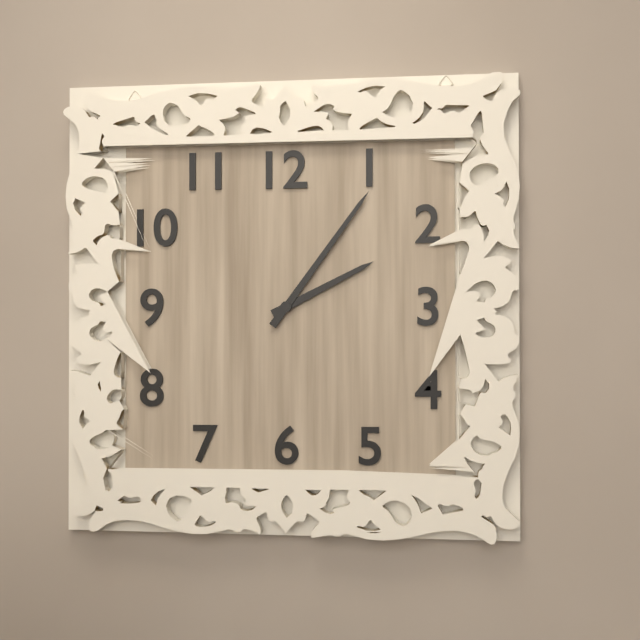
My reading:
2 h 06 min
